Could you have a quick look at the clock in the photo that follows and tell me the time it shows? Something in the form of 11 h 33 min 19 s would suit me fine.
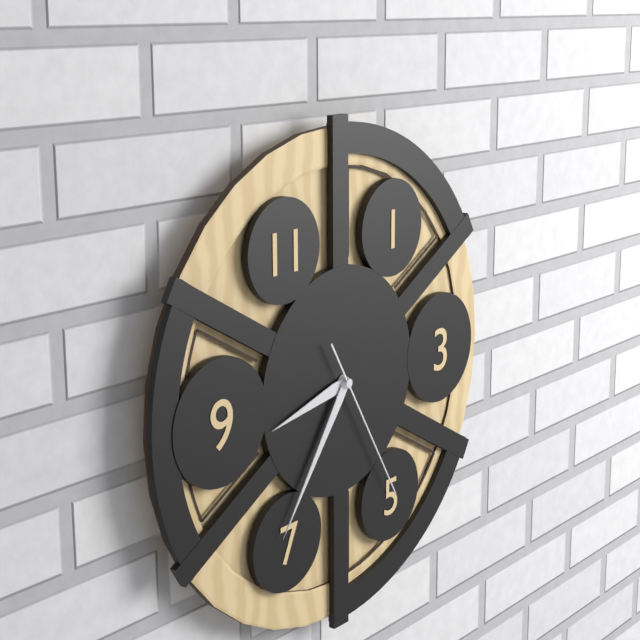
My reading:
8 h 36 min 25 s
